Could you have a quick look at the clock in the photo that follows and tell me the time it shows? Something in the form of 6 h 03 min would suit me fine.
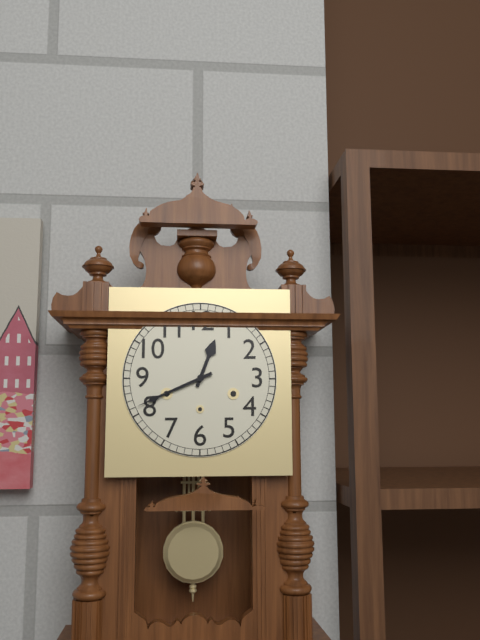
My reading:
12 h 41 min
